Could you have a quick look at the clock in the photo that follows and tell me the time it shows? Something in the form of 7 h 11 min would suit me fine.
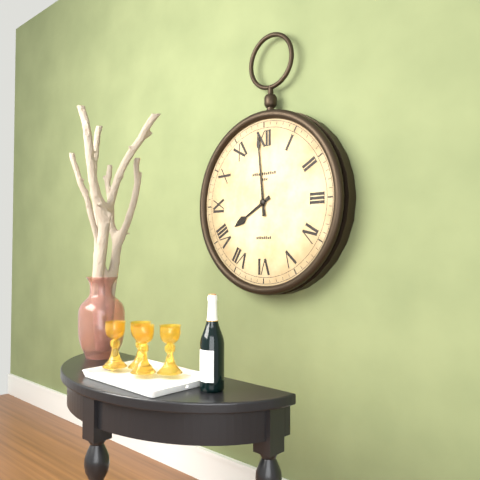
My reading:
7 h 59 min
